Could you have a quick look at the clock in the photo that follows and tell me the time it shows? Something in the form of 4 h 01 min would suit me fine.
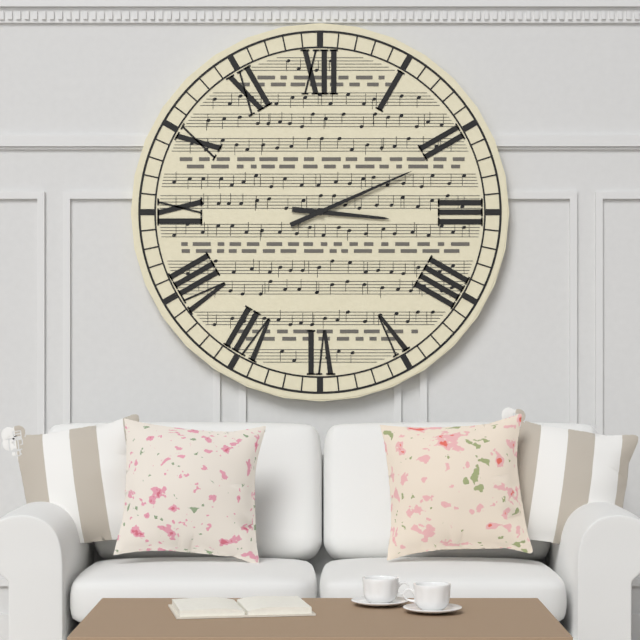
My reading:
3 h 11 min
